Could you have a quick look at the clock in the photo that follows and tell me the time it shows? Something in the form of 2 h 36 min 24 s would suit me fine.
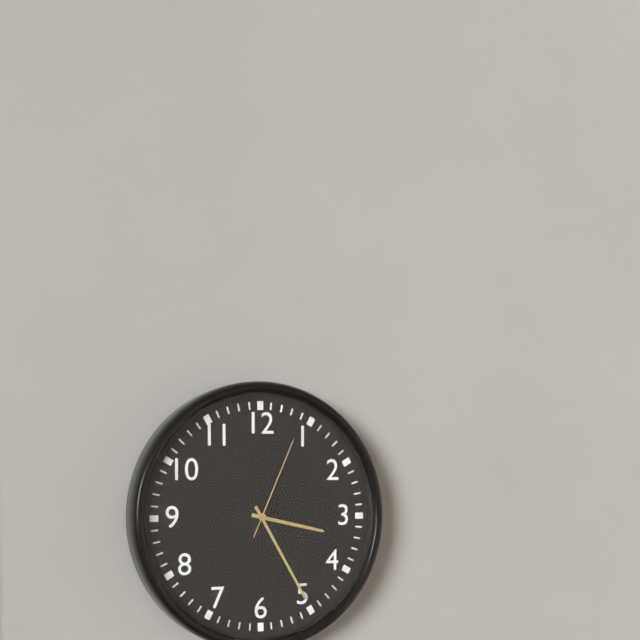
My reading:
3 h 25 min 04 s
